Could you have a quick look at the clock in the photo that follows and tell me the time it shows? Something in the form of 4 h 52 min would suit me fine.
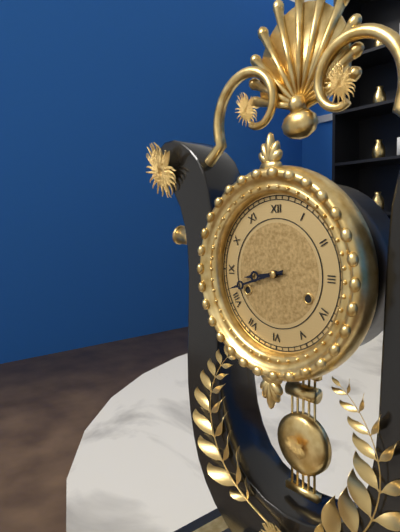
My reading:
8 h 42 min
